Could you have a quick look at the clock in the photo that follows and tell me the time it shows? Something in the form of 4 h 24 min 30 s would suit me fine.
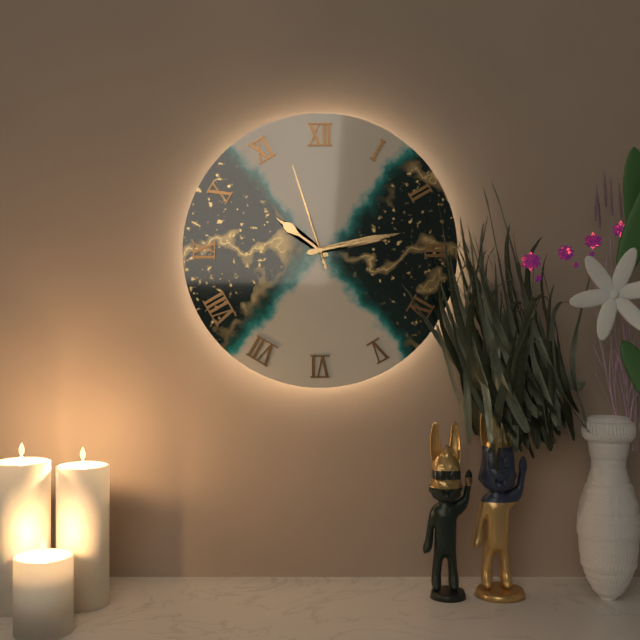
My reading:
10 h 13 min 57 s
